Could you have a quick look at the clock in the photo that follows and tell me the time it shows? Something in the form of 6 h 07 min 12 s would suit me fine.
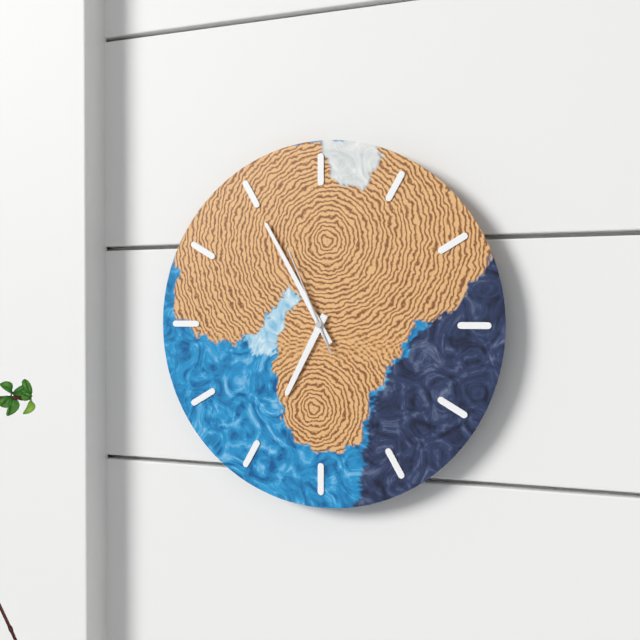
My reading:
6 h 55 min 56 s
